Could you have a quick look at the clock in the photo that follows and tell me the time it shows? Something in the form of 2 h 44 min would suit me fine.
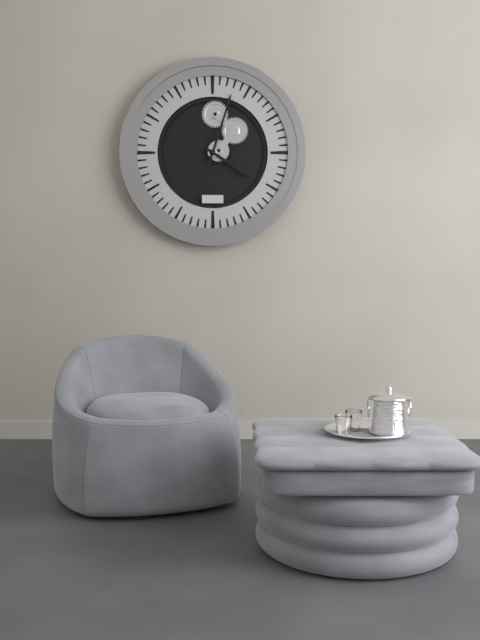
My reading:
4 h 03 min
